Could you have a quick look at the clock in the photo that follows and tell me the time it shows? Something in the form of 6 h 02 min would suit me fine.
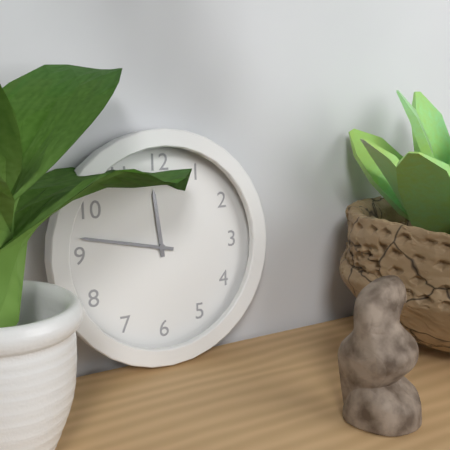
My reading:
11 h 47 min
